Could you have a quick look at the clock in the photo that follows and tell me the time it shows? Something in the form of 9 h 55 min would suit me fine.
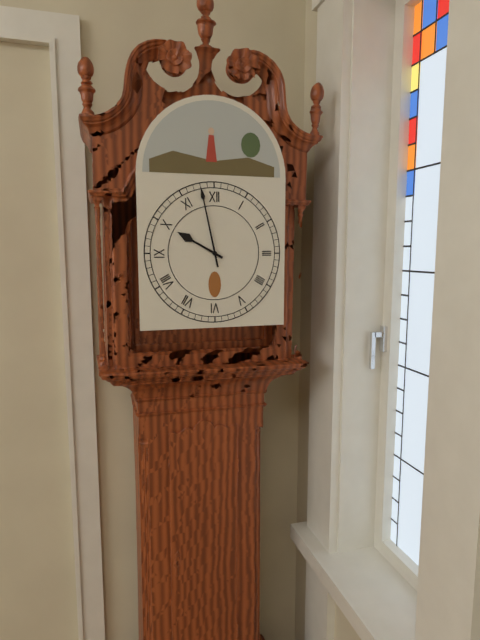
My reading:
9 h 58 min
